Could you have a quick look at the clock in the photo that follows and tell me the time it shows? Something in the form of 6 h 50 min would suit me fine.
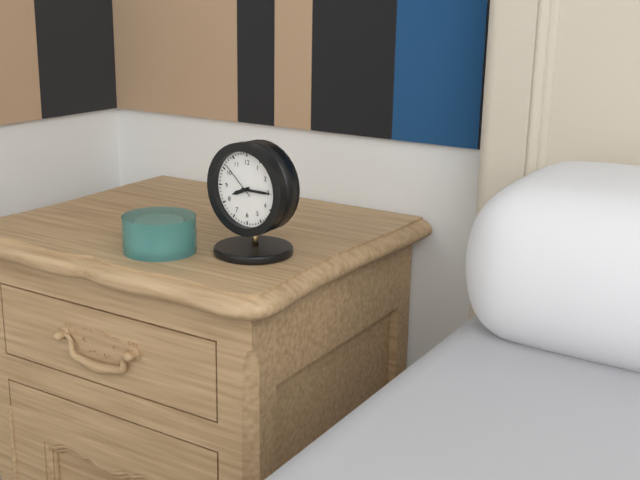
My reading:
8 h 15 min
